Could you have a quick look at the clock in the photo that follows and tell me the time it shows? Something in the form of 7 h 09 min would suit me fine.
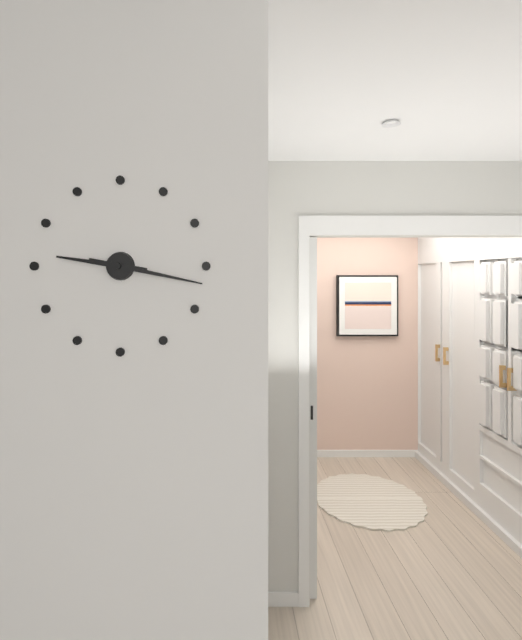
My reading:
9 h 17 min
